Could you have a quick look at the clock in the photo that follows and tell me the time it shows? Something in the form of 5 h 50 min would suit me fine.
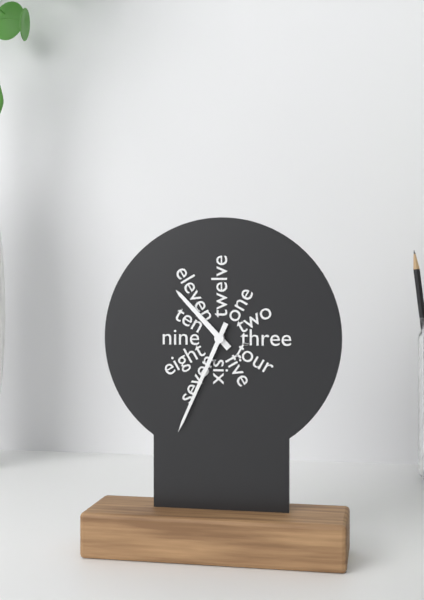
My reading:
10 h 34 min
